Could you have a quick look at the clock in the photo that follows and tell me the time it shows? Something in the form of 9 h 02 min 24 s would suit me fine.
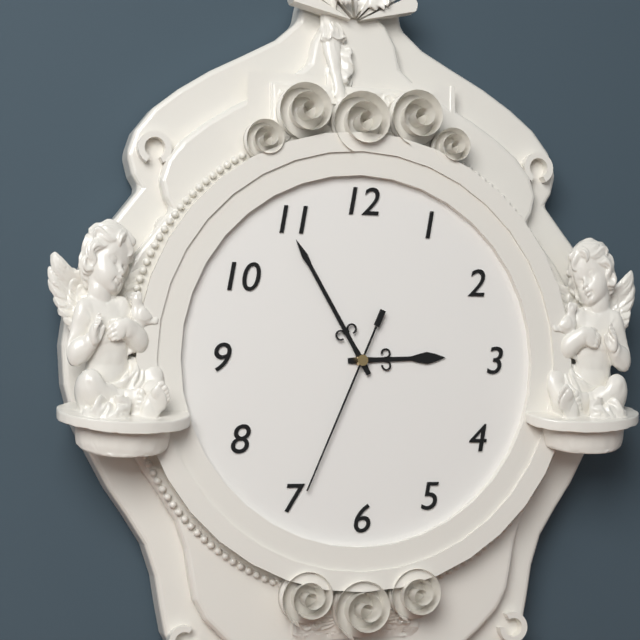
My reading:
2 h 55 min 34 s
